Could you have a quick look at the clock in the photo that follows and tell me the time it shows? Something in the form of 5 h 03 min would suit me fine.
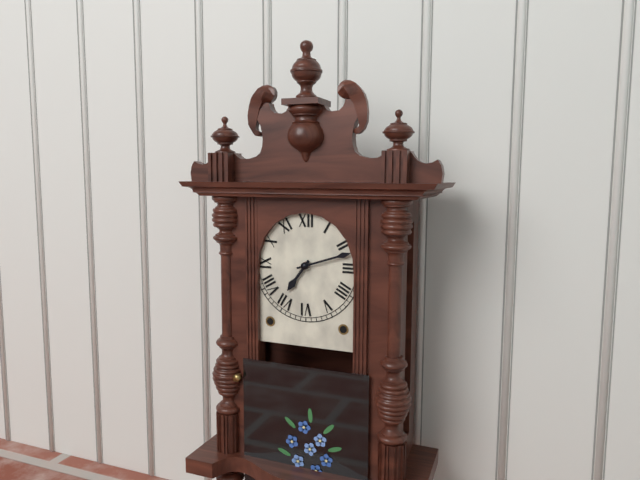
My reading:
7 h 12 min
